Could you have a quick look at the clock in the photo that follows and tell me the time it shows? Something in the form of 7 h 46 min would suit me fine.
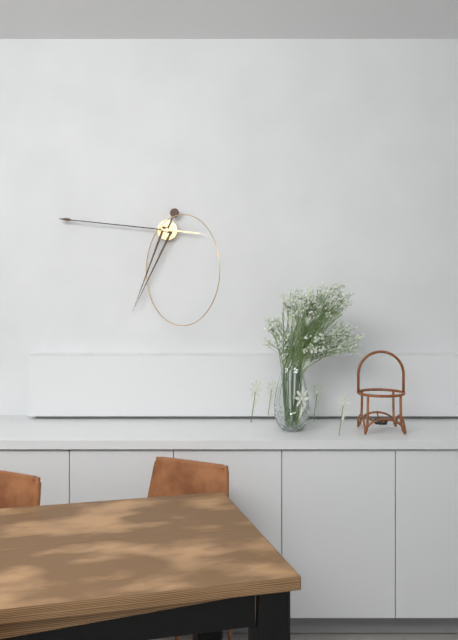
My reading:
6 h 46 min
